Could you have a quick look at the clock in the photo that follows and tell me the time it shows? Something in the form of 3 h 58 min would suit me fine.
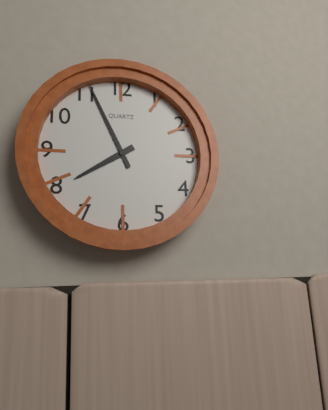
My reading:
7 h 56 min
